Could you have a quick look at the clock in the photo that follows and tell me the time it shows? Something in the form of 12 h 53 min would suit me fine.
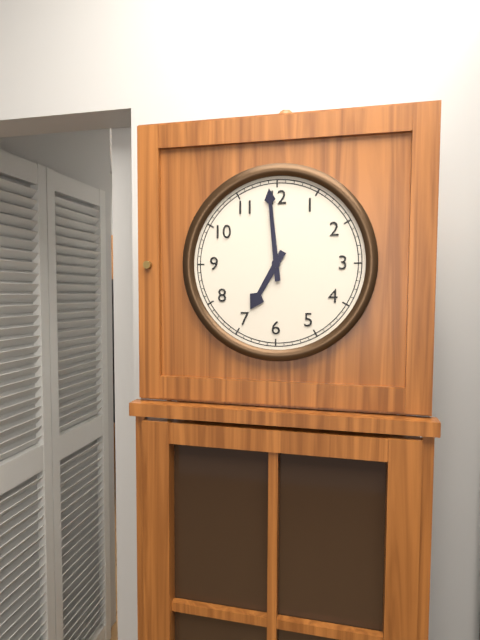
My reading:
6 h 59 min
